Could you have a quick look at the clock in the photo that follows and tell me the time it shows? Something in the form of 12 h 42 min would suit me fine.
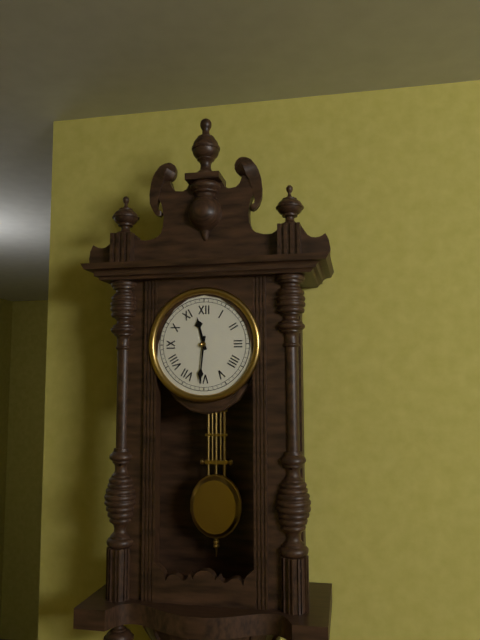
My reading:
11 h 31 min
